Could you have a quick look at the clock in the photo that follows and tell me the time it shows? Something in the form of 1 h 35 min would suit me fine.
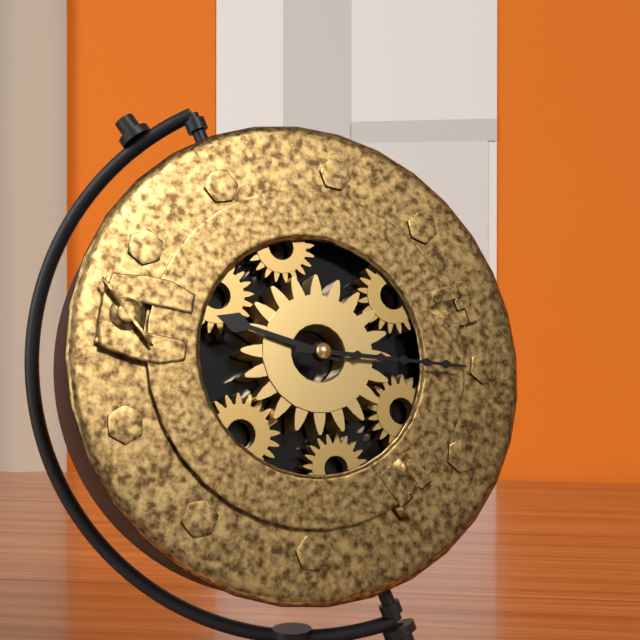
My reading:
9 h 14 min
